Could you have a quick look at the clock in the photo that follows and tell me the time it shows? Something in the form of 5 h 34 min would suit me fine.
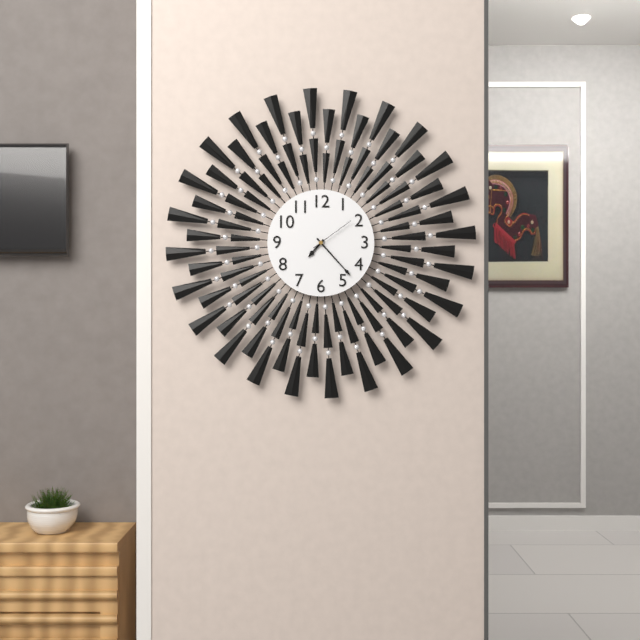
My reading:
7 h 23 min
